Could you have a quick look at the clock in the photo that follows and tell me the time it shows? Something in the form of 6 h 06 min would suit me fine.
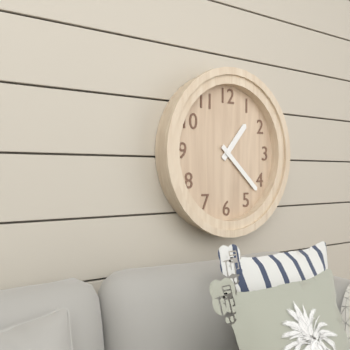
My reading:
1 h 22 min
